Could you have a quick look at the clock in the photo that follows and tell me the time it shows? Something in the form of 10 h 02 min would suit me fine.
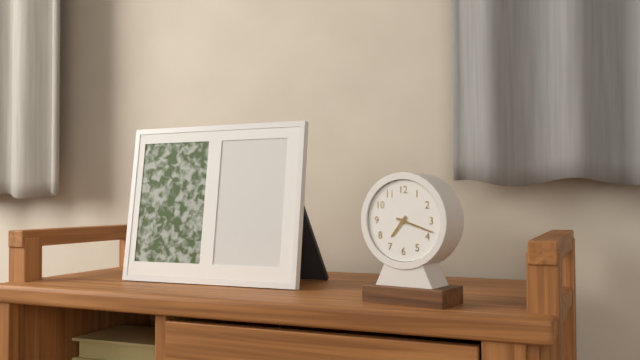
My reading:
7 h 18 min
